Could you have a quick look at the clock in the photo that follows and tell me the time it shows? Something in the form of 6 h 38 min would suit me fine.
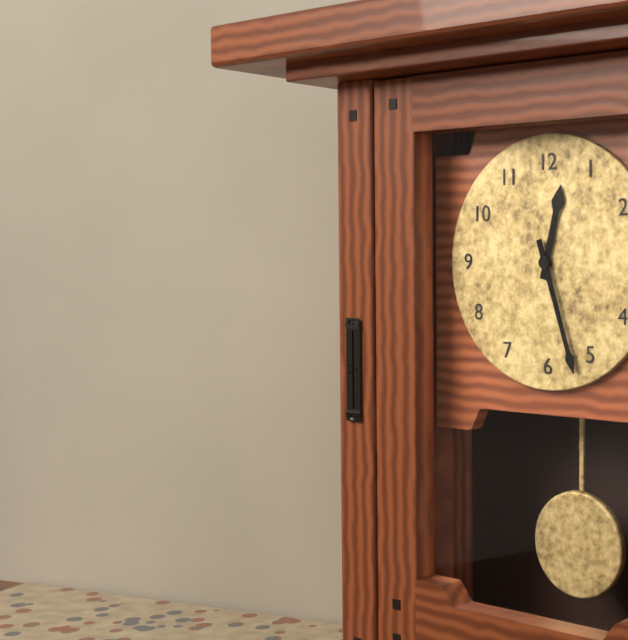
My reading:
12 h 27 min
